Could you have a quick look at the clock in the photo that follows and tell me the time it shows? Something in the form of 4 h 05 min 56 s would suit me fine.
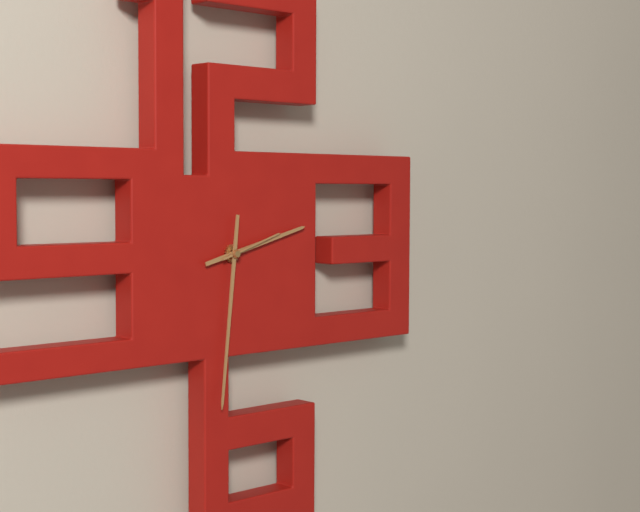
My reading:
2 h 31 min 12 s
